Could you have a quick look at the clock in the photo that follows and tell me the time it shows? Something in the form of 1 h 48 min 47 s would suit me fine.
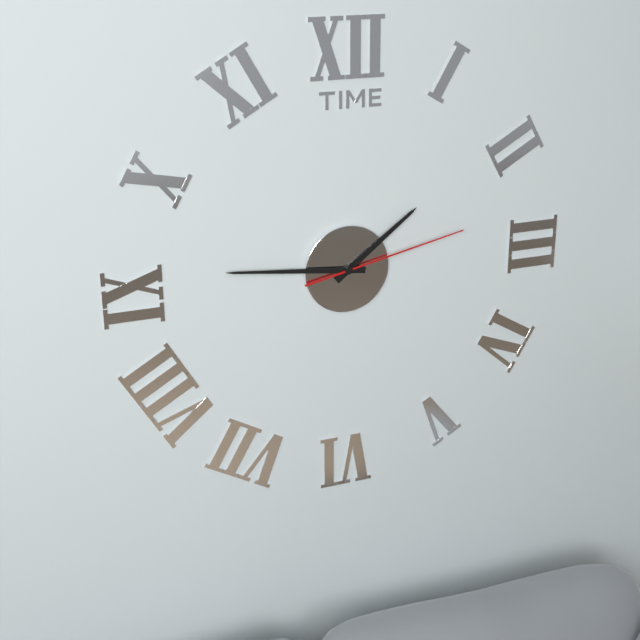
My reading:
1 h 46 min 13 s
